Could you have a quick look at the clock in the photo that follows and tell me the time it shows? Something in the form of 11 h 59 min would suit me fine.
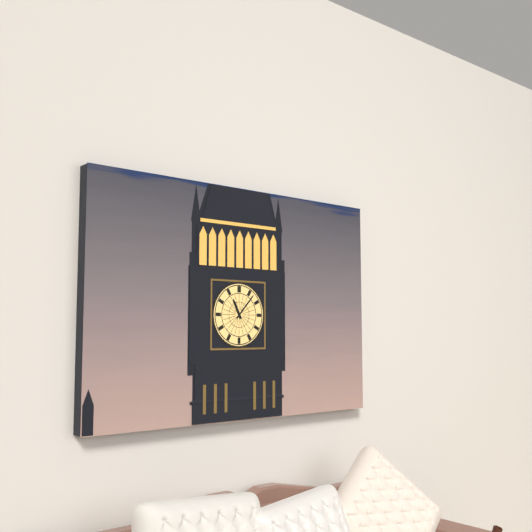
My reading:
11 h 07 min
